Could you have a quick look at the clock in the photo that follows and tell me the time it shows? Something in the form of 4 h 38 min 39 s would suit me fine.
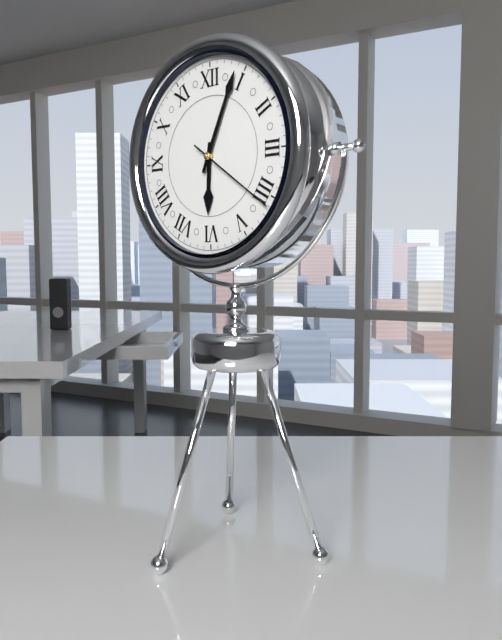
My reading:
6 h 04 min 21 s
